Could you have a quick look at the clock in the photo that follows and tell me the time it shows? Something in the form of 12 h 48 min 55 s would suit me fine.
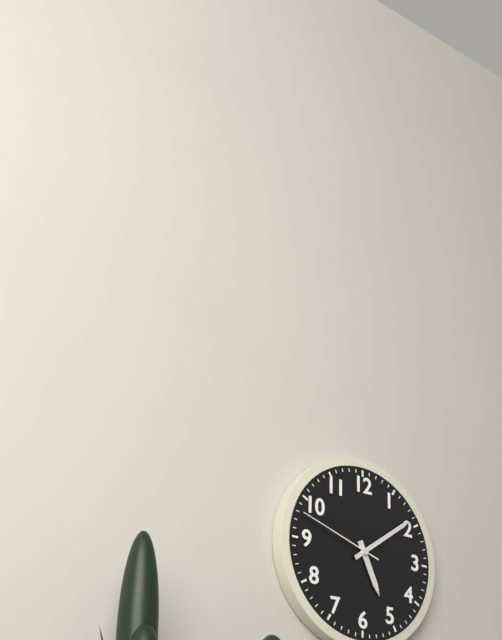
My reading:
5 h 09 min 48 s
